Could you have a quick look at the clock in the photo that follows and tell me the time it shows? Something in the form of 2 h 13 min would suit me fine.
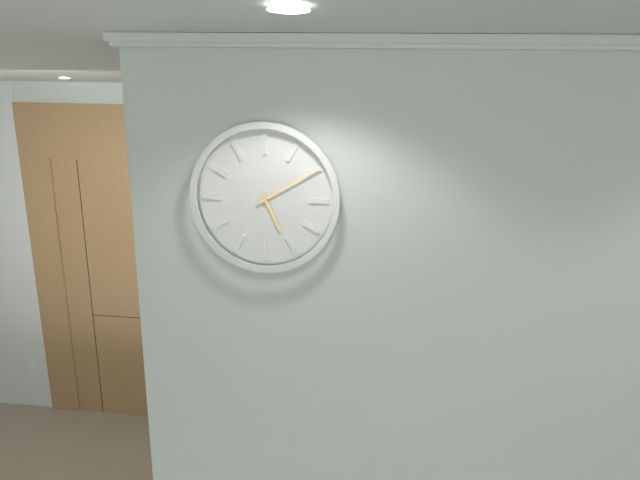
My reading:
5 h 10 min
